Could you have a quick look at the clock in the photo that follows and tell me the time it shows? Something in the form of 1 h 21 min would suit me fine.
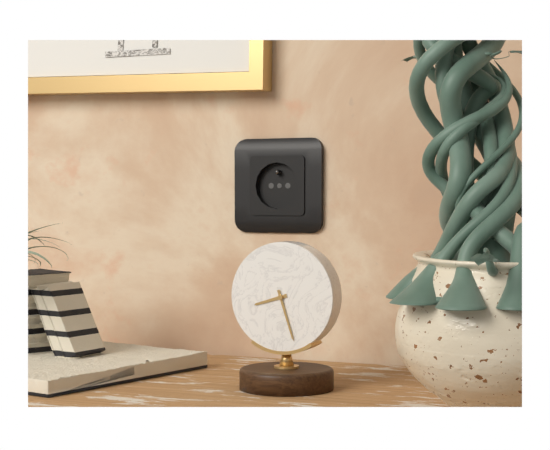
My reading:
8 h 27 min
